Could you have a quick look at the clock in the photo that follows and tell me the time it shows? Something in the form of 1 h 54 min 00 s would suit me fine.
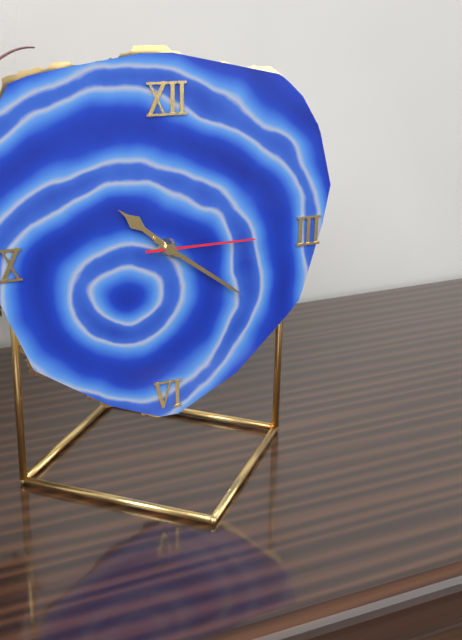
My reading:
10 h 21 min 15 s
